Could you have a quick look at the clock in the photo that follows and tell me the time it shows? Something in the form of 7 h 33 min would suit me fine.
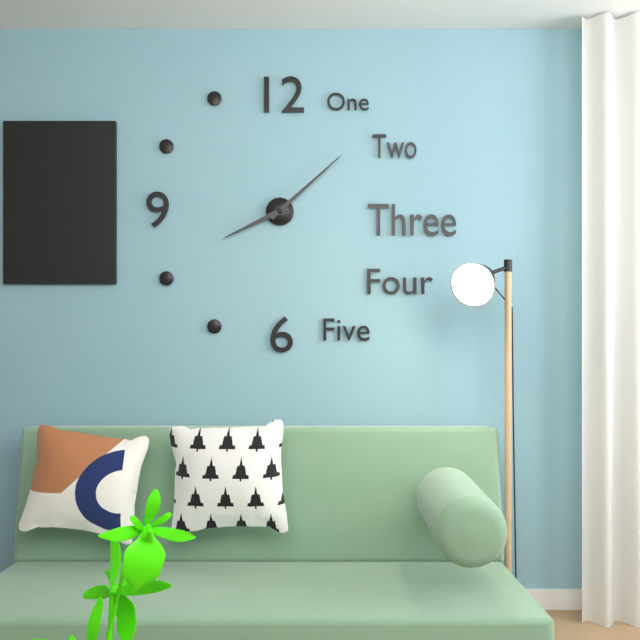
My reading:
8 h 08 min
